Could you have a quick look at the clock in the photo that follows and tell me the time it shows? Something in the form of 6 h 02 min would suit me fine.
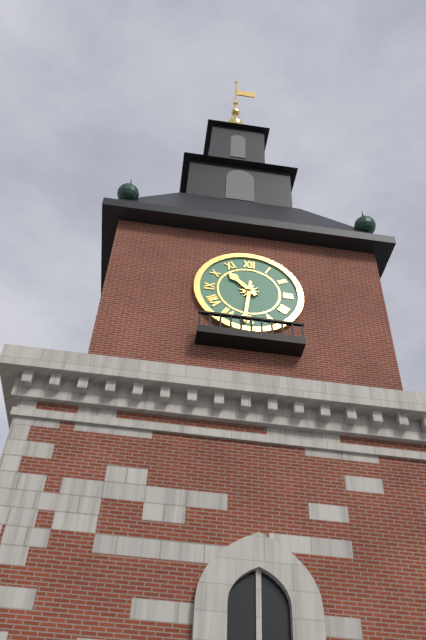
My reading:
10 h 31 min
